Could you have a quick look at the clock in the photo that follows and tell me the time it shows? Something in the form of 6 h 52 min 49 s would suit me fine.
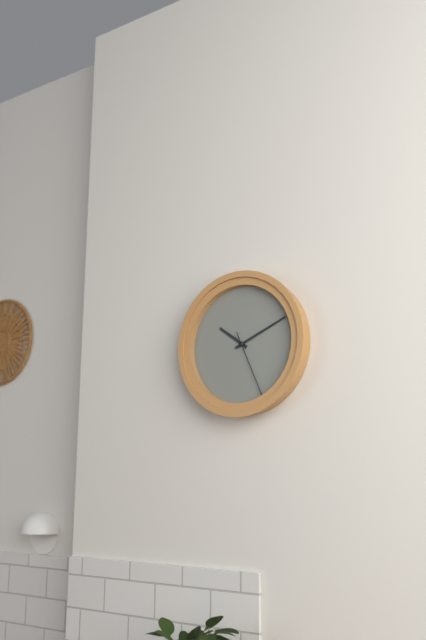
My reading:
10 h 11 min 26 s
